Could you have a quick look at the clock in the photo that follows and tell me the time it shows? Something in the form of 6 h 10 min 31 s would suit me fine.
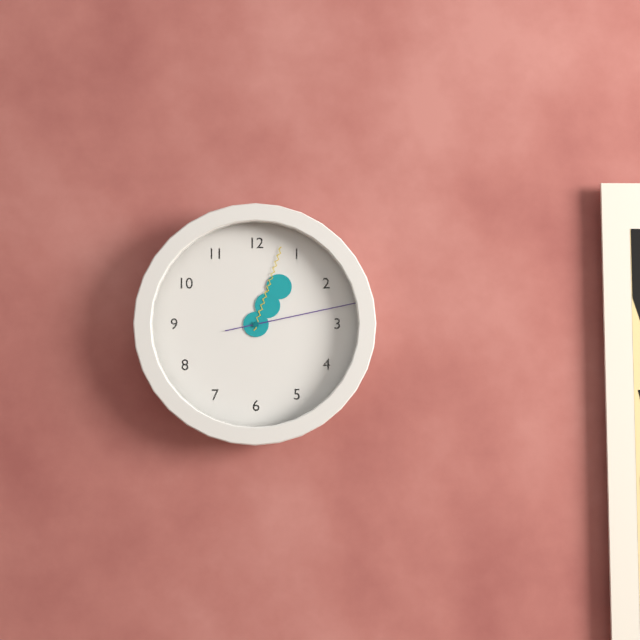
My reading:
1 h 03 min 13 s
